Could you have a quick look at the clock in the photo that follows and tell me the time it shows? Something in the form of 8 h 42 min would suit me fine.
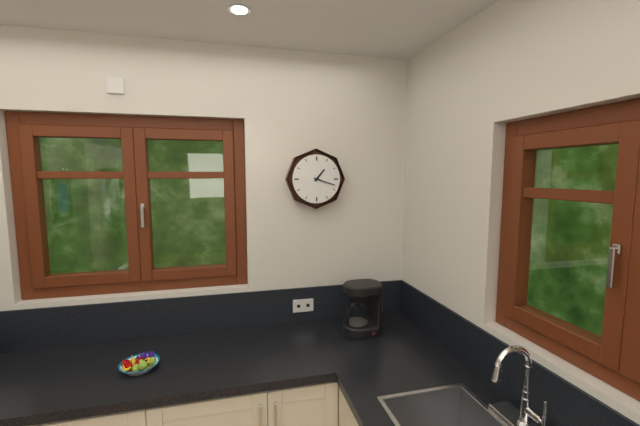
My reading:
1 h 18 min
